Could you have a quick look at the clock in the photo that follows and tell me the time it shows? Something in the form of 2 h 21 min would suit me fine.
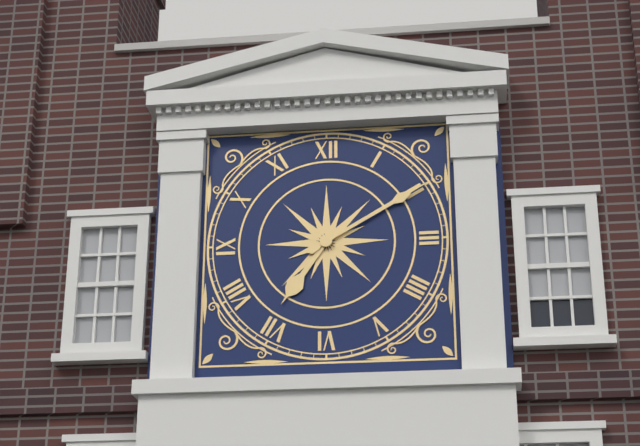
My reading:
7 h 10 min
